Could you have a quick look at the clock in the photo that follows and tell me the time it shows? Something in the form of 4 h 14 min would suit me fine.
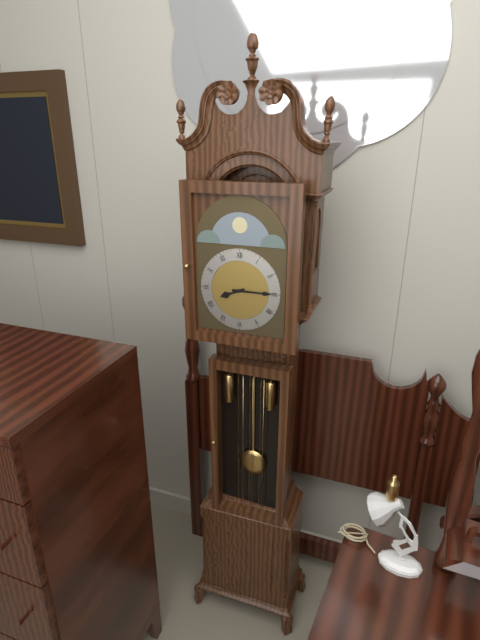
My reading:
8 h 15 min
